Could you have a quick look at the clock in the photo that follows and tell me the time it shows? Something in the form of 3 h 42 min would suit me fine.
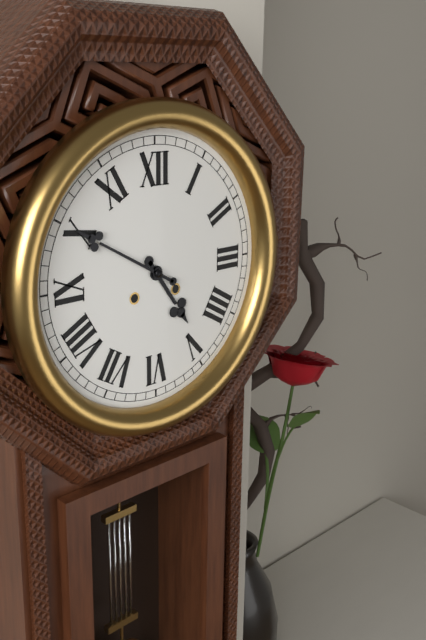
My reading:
4 h 50 min
